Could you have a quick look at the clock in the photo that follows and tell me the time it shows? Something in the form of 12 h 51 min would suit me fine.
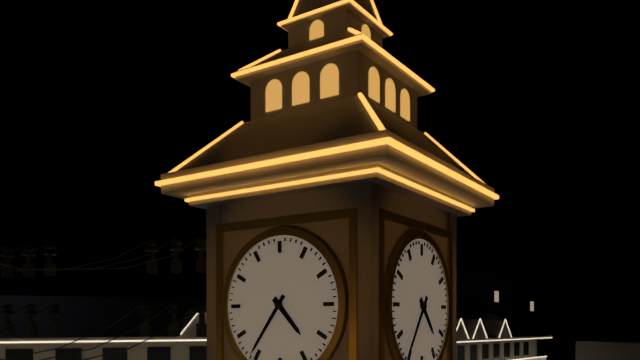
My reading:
4 h 36 min
